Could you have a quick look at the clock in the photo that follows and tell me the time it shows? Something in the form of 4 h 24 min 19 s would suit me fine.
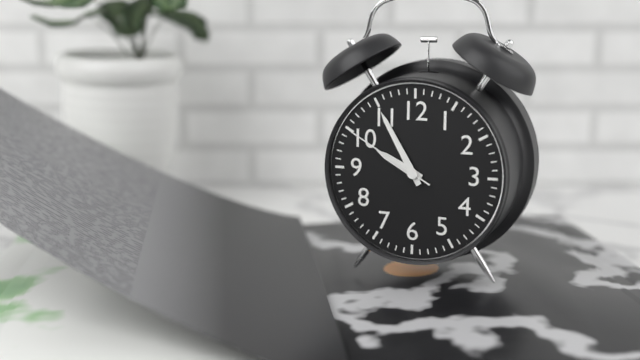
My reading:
9 h 55 min 50 s
